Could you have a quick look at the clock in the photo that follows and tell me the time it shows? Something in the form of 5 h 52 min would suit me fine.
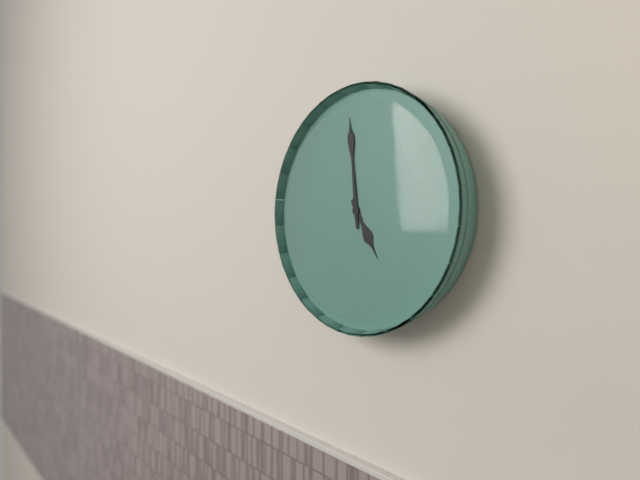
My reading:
4 h 59 min
